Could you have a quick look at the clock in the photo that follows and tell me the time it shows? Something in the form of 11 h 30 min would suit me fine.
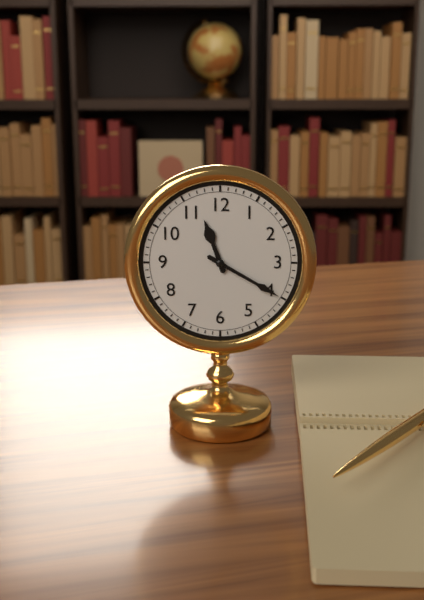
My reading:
11 h 20 min
